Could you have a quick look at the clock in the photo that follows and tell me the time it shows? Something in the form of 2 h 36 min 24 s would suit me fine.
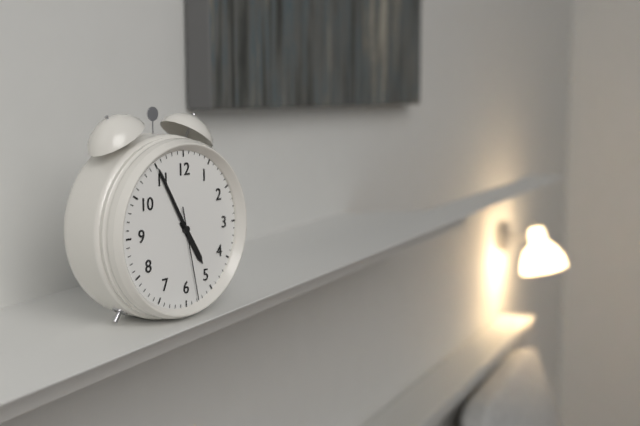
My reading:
4 h 55 min 28 s
